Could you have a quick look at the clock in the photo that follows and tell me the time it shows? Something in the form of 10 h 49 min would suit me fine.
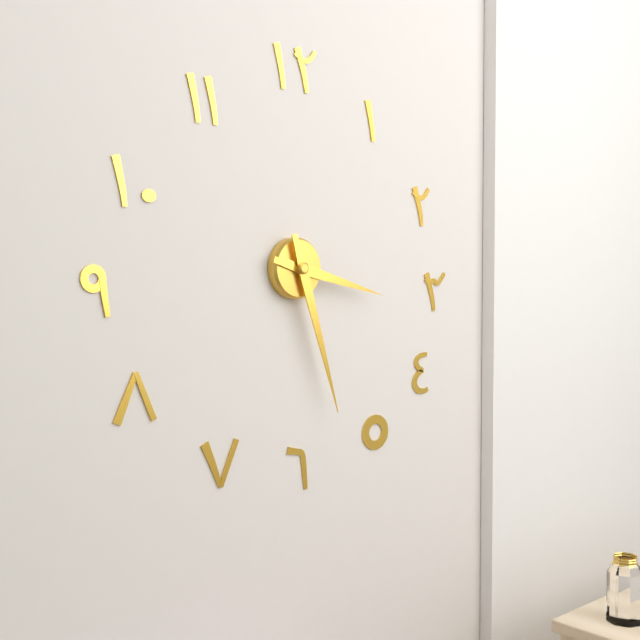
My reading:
3 h 27 min
